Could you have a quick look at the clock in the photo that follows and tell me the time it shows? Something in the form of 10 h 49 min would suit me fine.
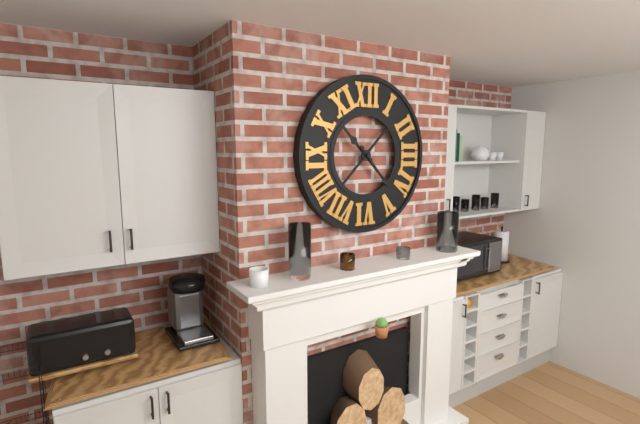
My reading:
10 h 23 min
